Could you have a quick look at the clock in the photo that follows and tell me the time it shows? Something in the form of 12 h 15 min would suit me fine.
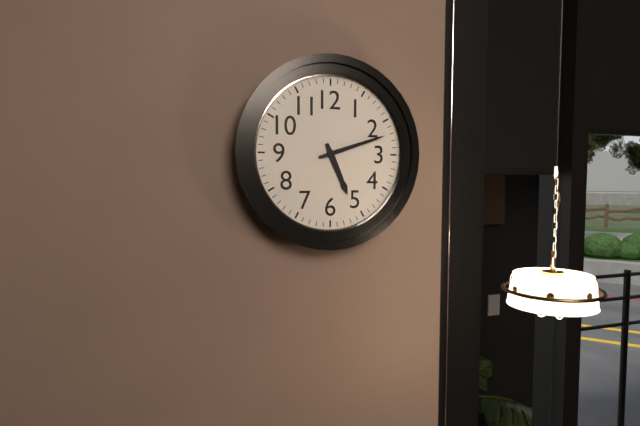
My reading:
5 h 12 min
